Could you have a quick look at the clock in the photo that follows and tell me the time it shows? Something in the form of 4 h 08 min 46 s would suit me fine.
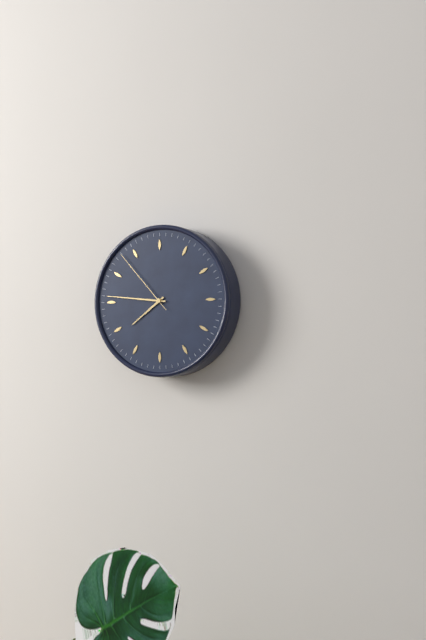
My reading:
7 h 46 min 53 s
